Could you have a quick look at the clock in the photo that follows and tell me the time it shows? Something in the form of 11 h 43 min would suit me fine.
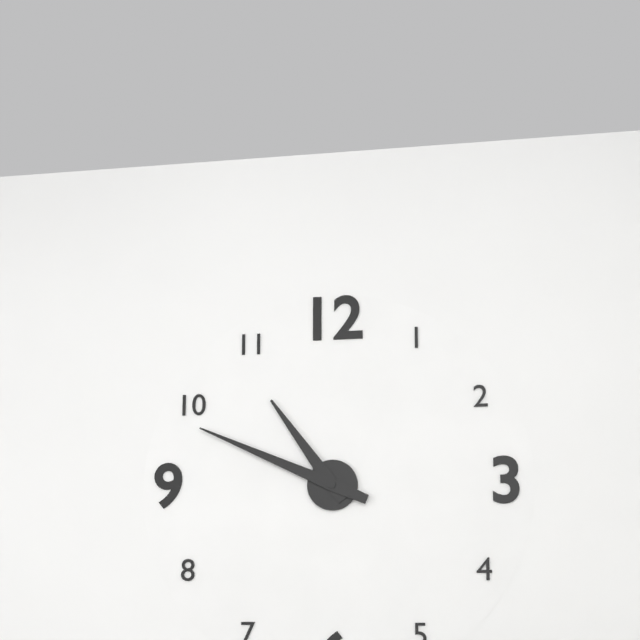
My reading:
10 h 49 min
